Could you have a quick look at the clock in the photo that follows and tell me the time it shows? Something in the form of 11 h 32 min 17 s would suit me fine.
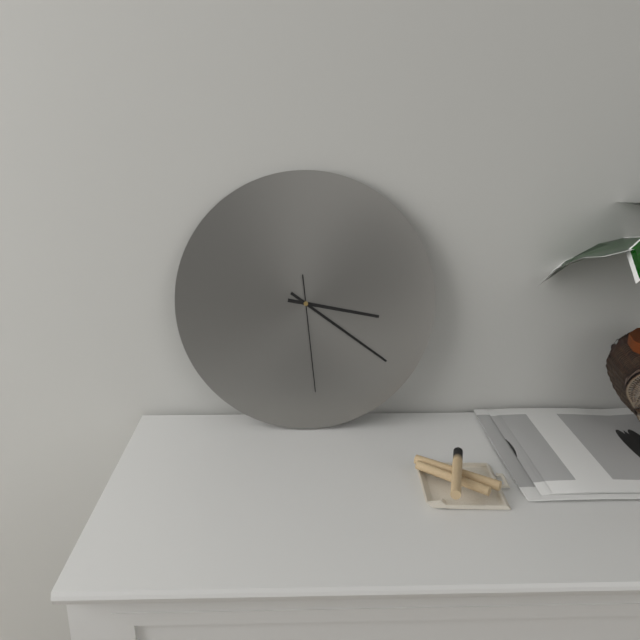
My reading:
3 h 21 min 29 s
